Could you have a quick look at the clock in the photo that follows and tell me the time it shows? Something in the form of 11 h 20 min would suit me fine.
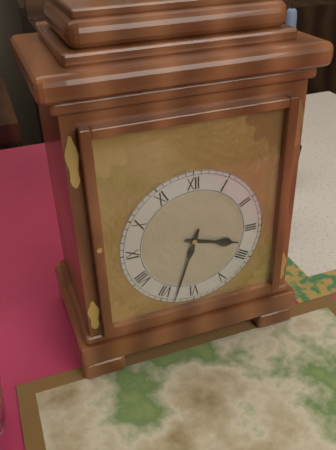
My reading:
3 h 33 min
